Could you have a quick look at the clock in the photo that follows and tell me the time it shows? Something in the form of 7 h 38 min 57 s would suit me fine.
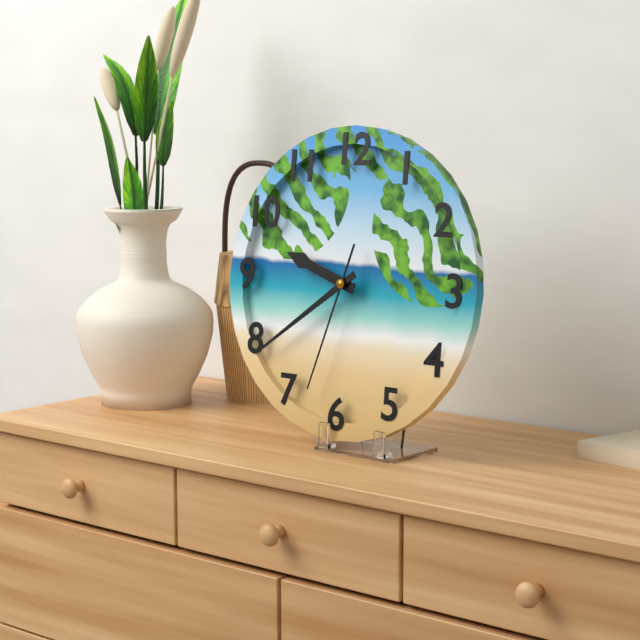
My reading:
9 h 39 min 33 s
